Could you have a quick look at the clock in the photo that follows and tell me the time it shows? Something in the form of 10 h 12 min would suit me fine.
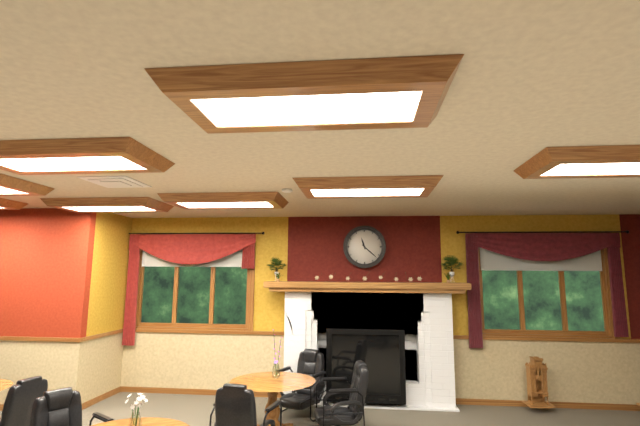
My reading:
11 h 22 min
